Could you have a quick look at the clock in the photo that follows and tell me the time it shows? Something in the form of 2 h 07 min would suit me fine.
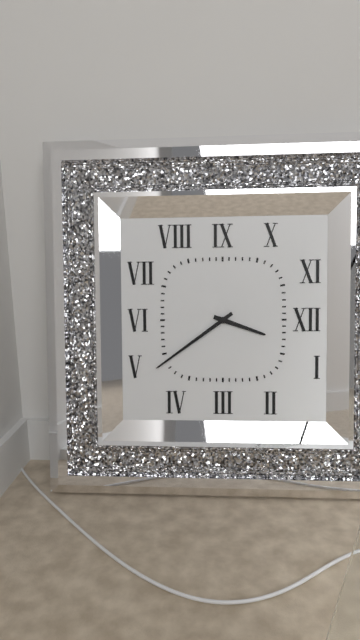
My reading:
3 h 39 min
